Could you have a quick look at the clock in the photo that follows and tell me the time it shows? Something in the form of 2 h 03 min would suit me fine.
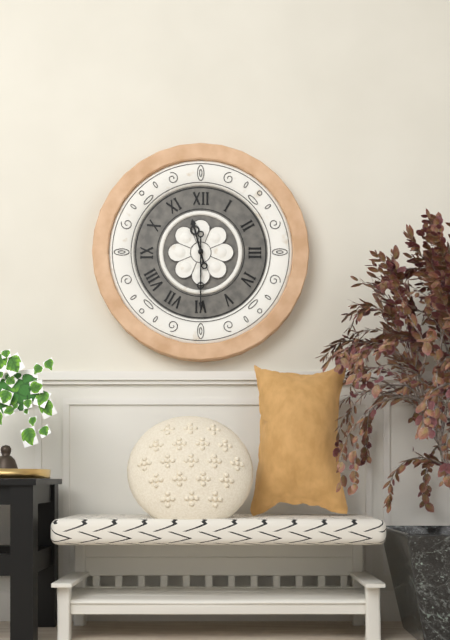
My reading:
11 h 30 min
